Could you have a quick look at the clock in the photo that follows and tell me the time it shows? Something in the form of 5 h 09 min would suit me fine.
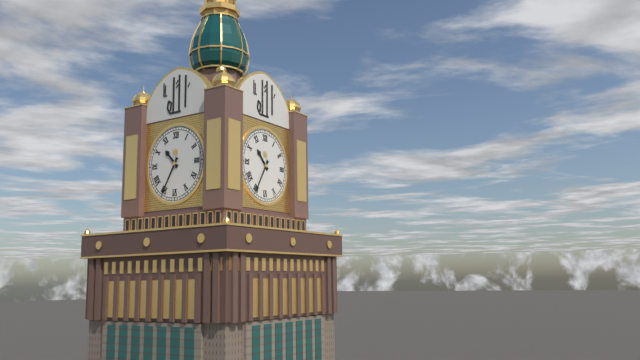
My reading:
10 h 35 min
